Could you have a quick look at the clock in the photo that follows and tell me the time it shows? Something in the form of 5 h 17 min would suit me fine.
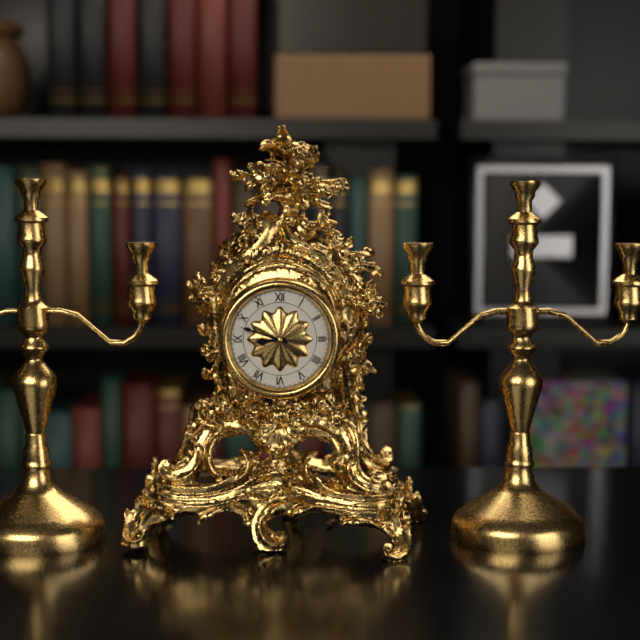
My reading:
8 h 48 min
